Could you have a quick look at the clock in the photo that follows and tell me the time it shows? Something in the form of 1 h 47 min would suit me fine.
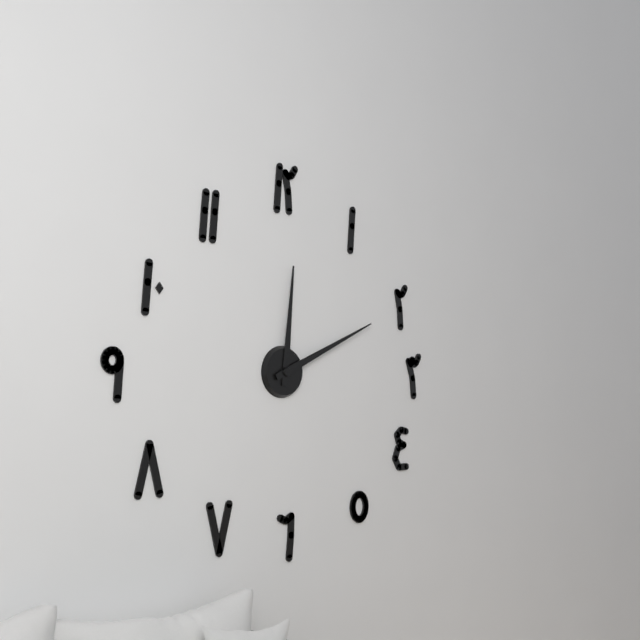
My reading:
12 h 11 min
